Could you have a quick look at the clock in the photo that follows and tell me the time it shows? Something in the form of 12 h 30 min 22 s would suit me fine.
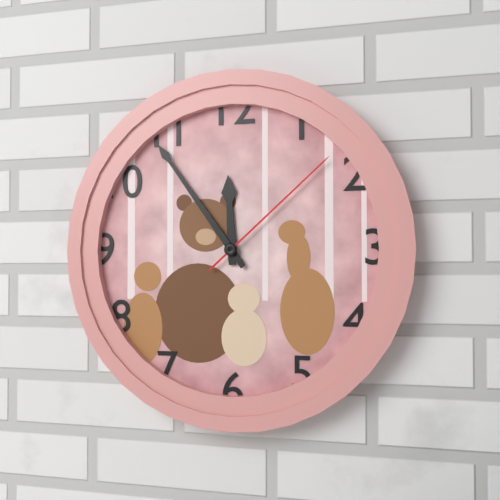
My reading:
11 h 54 min 08 s
